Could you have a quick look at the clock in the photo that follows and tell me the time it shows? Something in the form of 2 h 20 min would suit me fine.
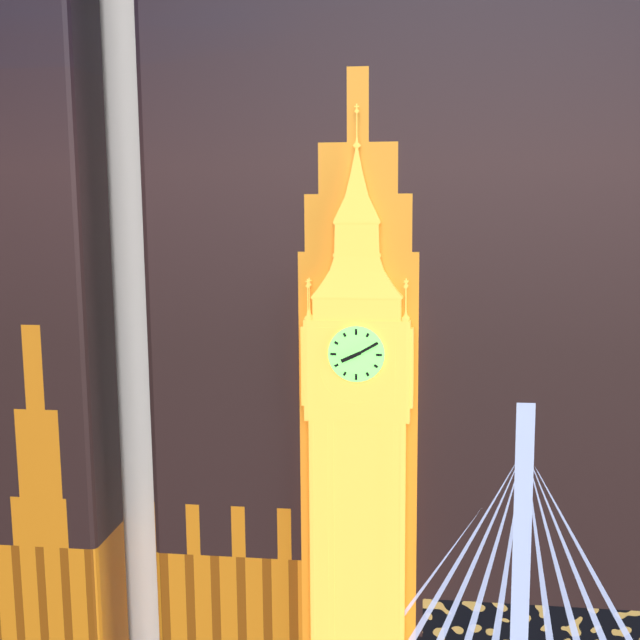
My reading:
8 h 10 min
